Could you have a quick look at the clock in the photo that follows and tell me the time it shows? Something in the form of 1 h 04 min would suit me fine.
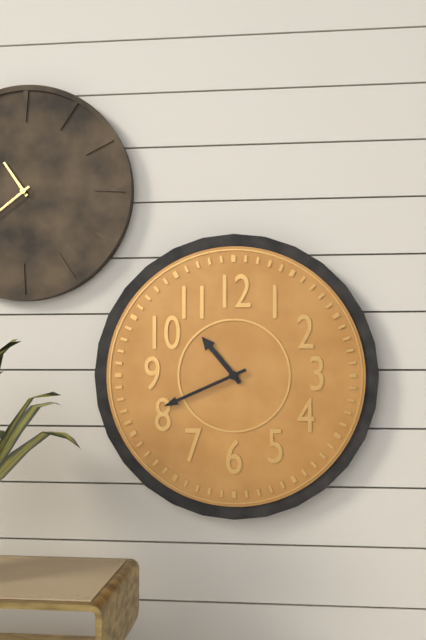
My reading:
10 h 41 min
